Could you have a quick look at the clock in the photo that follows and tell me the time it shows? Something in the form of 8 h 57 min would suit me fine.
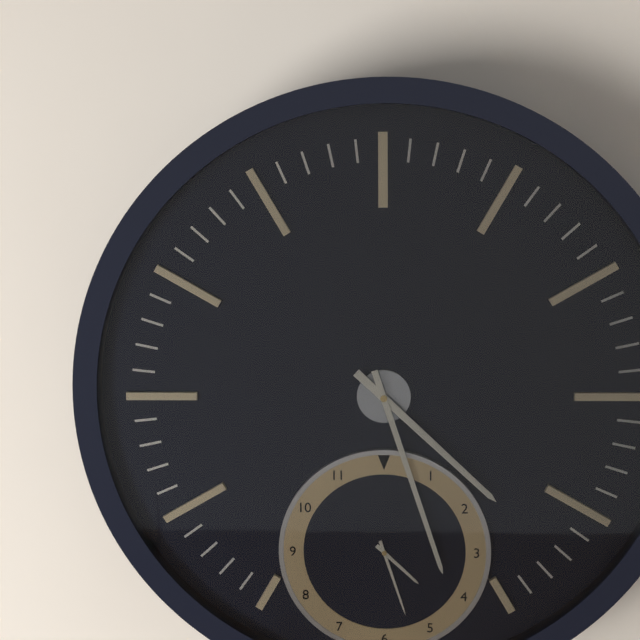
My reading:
4 h 27 min
